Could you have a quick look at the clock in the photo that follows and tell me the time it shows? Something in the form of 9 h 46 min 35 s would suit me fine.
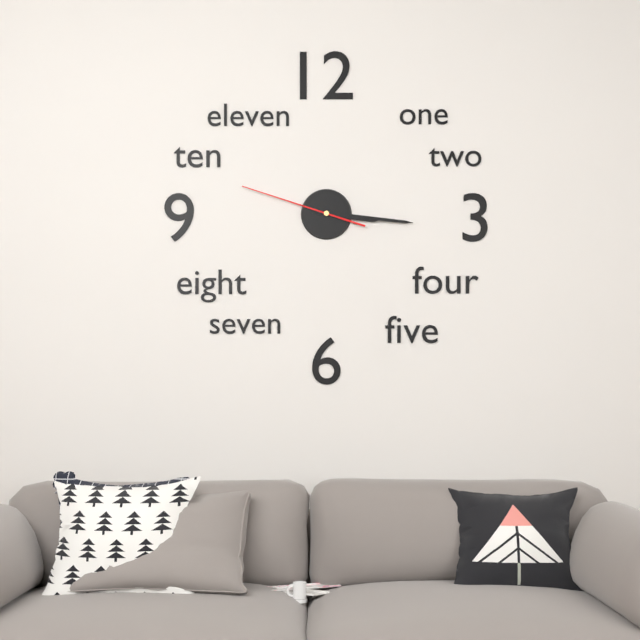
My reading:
3 h 16 min 48 s
